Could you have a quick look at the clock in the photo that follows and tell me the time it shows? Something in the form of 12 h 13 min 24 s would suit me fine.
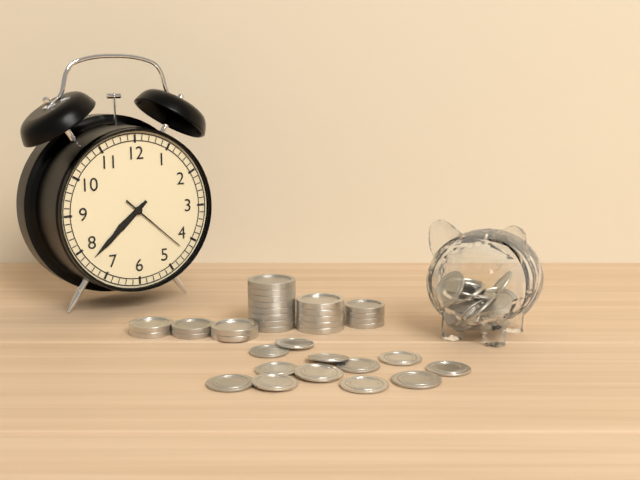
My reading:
7 h 38 min 22 s
